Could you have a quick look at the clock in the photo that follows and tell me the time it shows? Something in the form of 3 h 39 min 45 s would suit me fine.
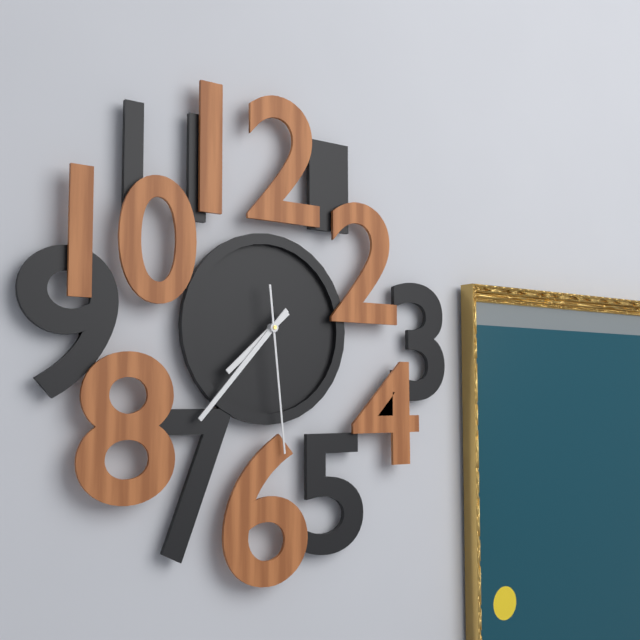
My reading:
7 h 37 min 29 s
